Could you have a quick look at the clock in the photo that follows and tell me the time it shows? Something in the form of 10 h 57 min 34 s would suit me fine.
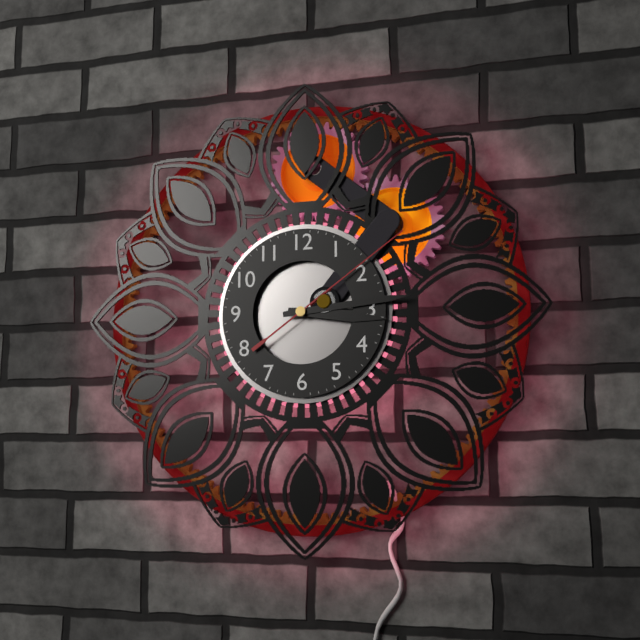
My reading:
3 h 14 min 09 s
